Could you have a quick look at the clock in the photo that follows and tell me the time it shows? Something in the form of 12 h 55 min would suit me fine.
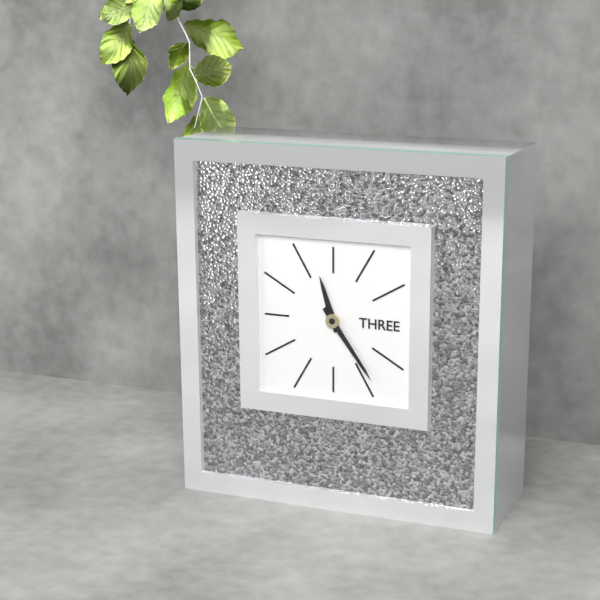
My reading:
11 h 24 min
